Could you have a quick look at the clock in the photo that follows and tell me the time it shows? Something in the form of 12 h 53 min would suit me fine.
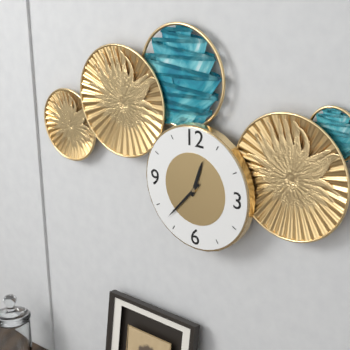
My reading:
12 h 37 min
